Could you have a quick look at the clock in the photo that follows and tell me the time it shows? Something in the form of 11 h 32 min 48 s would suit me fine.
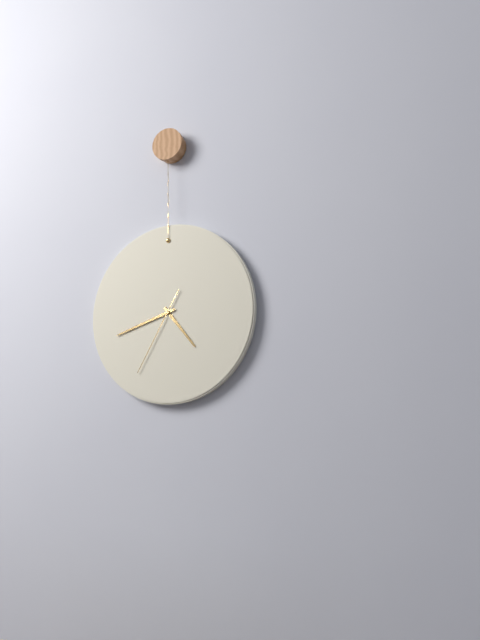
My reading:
4 h 42 min 35 s
